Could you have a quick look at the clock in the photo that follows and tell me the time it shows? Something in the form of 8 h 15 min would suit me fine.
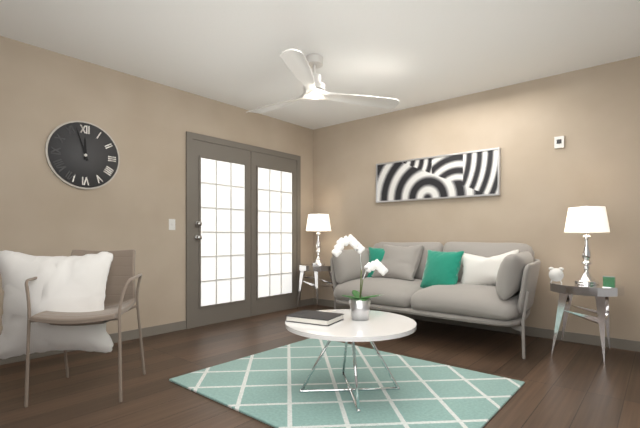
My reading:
11 h 57 min
